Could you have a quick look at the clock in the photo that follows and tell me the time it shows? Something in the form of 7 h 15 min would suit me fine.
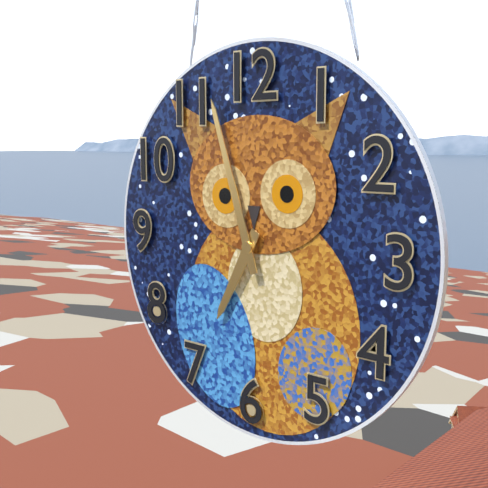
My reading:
6 h 57 min
